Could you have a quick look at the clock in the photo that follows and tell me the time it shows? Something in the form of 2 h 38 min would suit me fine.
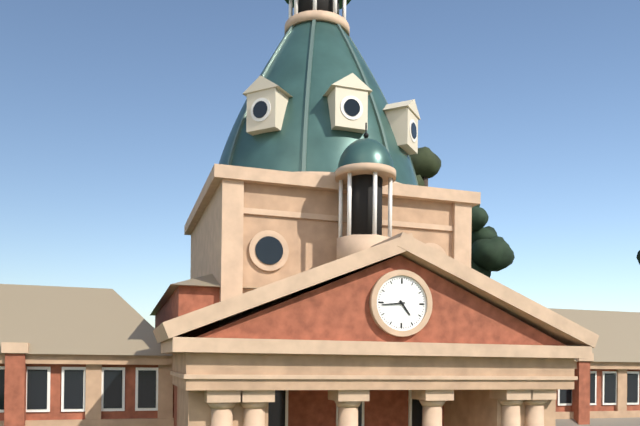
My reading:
4 h 44 min
